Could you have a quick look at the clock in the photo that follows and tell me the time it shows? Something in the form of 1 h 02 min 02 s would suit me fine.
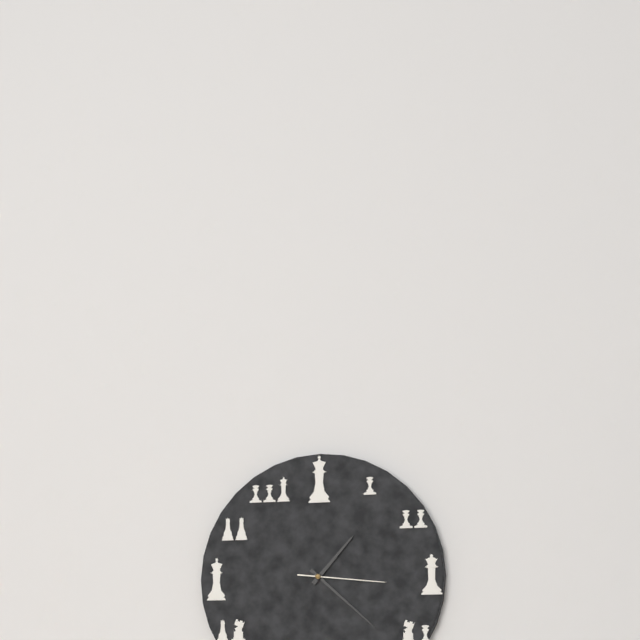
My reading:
1 h 22 min 16 s
